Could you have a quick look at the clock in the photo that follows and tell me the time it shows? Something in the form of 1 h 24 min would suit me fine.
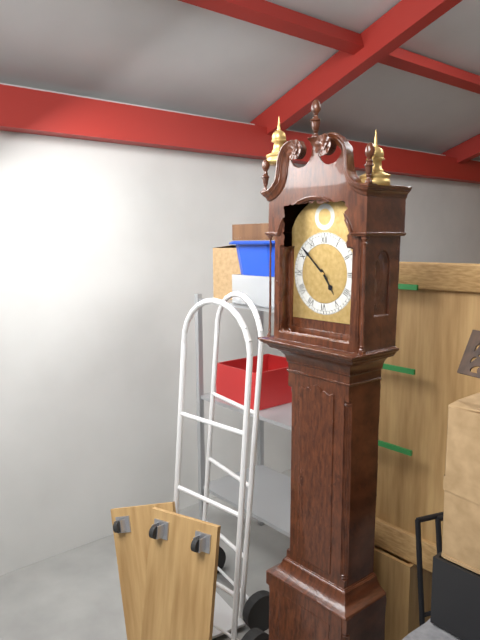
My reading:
4 h 52 min
